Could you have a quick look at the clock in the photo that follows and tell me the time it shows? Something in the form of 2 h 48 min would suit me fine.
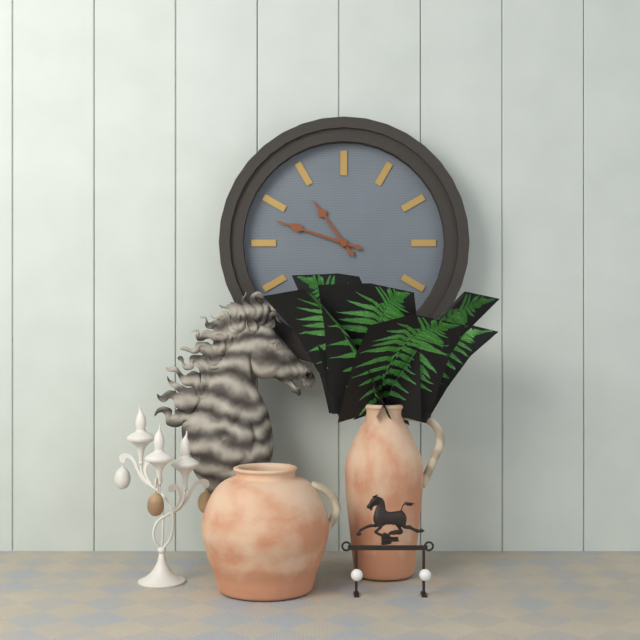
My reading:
10 h 48 min
